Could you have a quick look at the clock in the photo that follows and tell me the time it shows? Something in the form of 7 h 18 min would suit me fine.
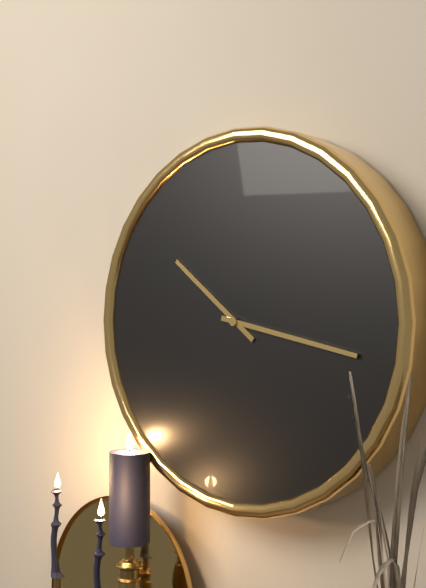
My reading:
10 h 17 min
